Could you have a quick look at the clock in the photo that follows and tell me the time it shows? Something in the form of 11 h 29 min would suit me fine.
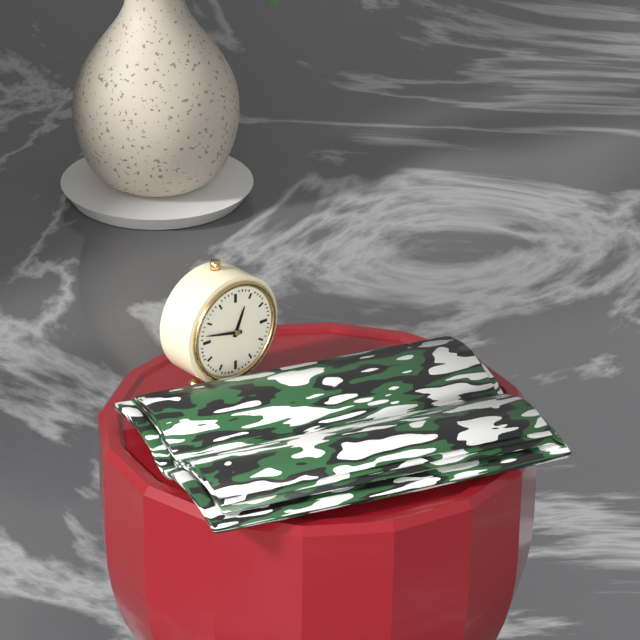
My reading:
12 h 47 min
